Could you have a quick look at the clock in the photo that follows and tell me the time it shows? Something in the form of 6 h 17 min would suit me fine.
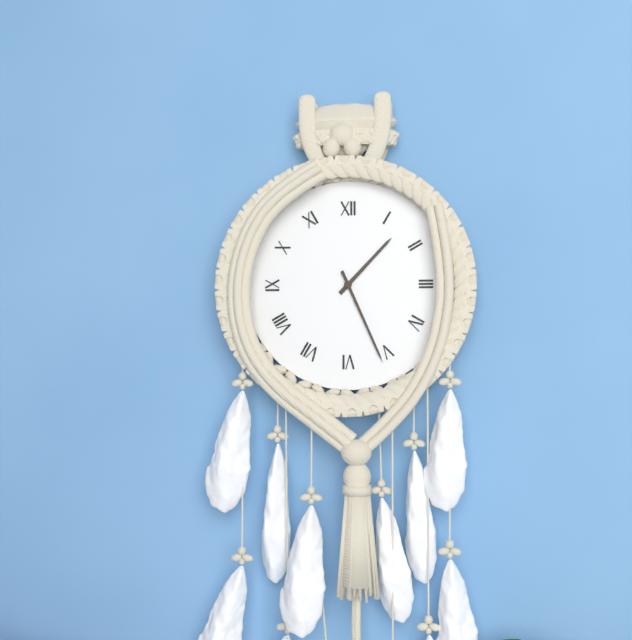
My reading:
1 h 26 min
